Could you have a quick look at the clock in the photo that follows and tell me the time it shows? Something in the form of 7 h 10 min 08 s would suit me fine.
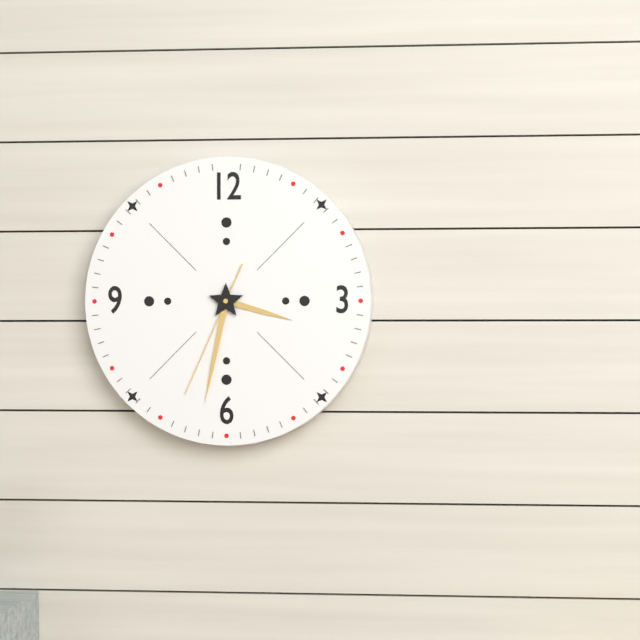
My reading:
3 h 32 min 34 s
